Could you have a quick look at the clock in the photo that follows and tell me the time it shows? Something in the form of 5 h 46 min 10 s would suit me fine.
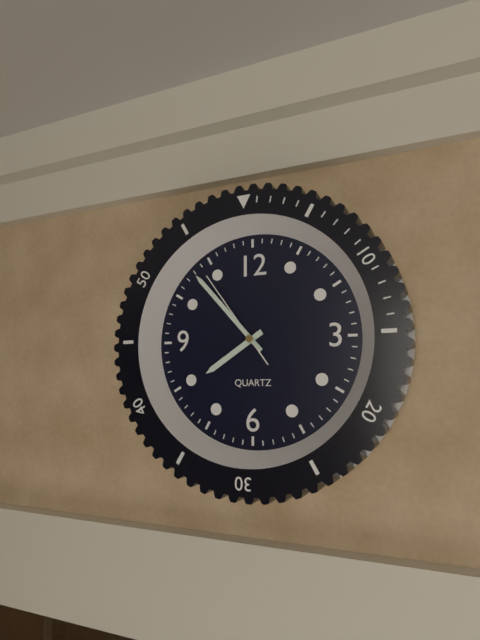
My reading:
7 h 53 min 54 s
